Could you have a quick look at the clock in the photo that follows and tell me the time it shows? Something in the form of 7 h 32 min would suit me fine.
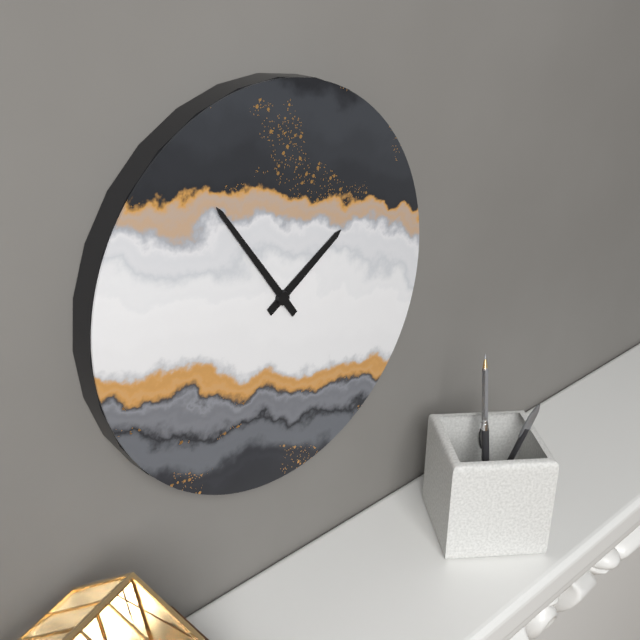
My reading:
1 h 54 min
